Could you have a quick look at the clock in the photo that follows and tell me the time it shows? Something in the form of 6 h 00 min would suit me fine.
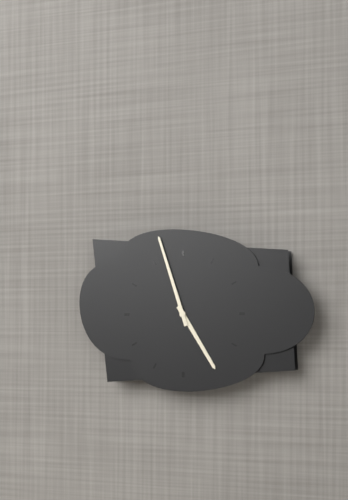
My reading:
4 h 57 min
